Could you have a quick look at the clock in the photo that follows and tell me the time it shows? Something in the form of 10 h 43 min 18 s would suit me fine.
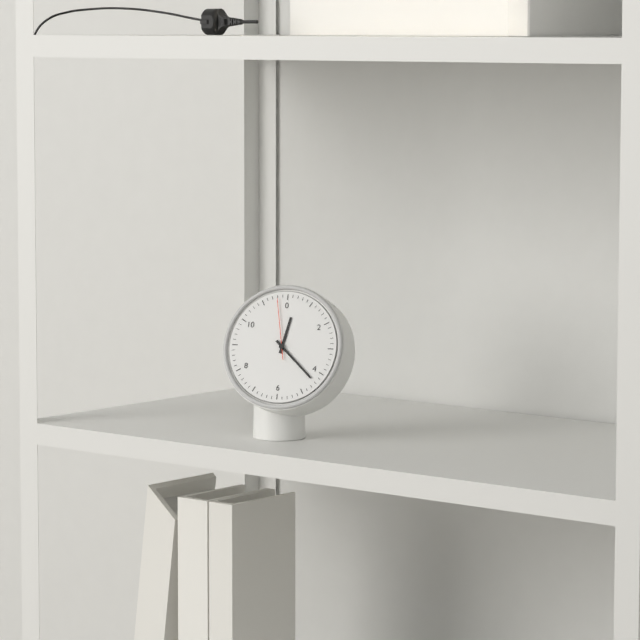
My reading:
12 h 22 min 58 s
